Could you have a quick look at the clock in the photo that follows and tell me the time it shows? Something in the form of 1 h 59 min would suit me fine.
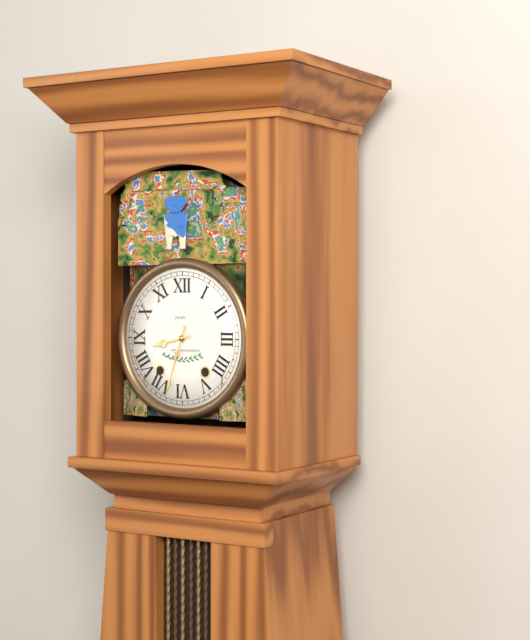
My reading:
8 h 33 min
